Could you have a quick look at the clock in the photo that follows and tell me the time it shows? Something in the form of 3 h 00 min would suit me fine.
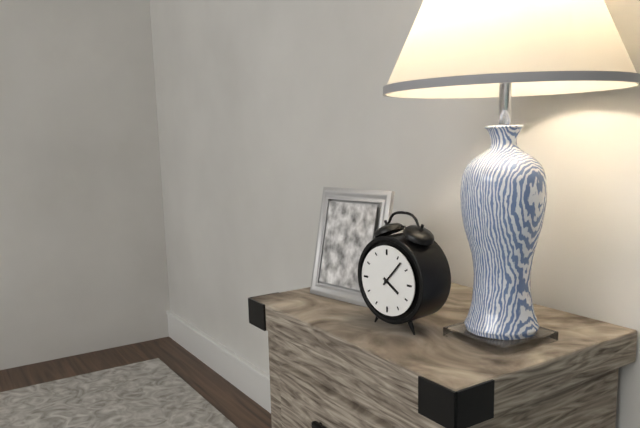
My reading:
4 h 07 min
